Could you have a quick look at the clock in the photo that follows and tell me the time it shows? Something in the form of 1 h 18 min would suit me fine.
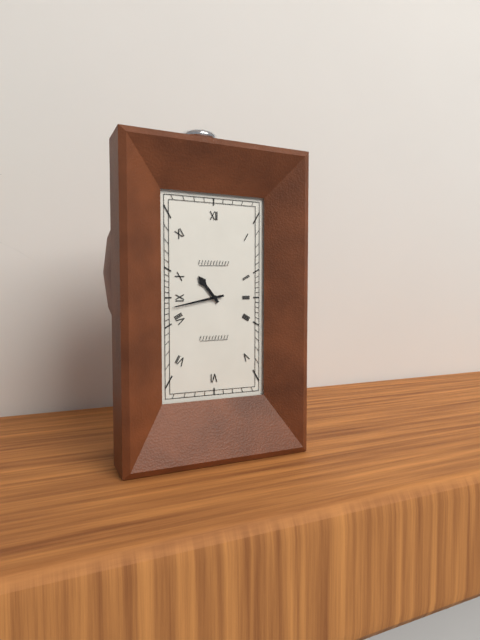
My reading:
10 h 43 min
